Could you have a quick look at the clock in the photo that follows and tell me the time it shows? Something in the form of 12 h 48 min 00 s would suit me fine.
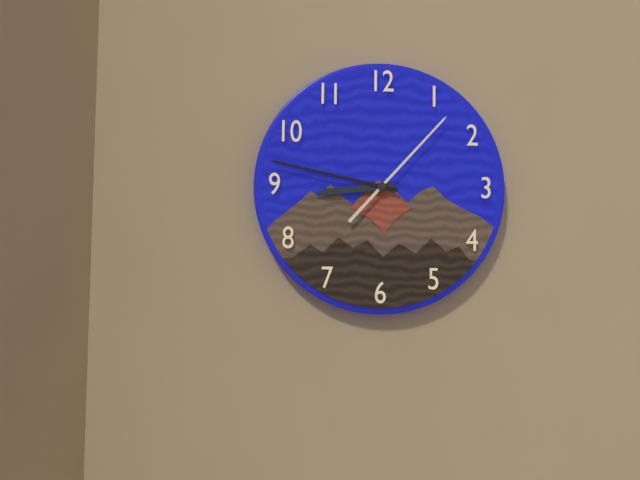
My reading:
8 h 47 min 07 s
